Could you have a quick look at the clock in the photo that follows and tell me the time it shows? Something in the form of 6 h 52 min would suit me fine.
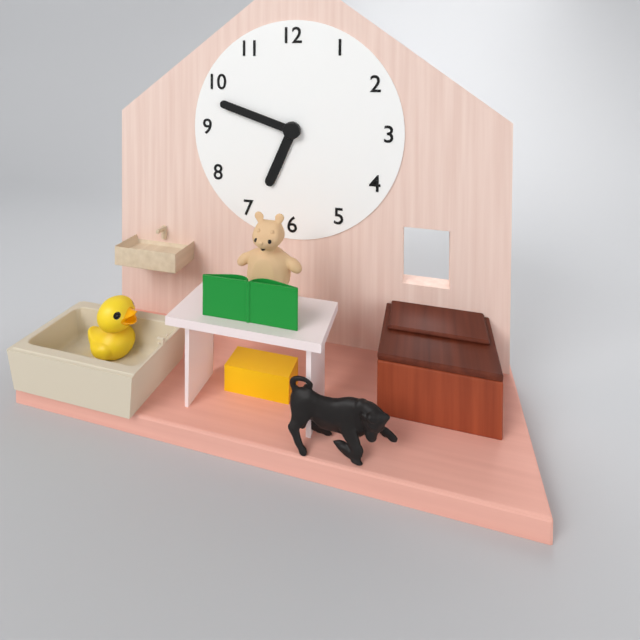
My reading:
6 h 48 min
